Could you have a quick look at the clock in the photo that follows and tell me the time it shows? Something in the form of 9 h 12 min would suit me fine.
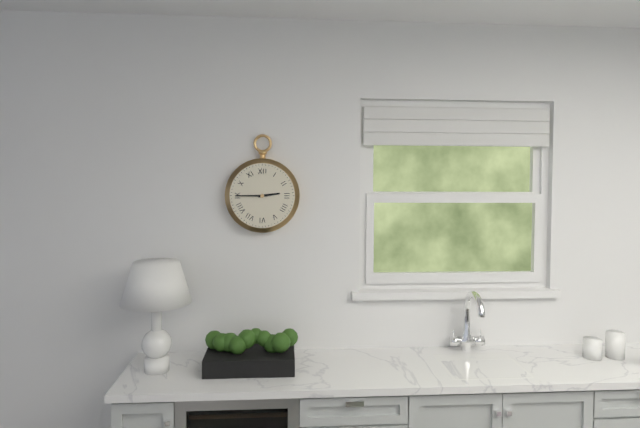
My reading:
2 h 45 min
